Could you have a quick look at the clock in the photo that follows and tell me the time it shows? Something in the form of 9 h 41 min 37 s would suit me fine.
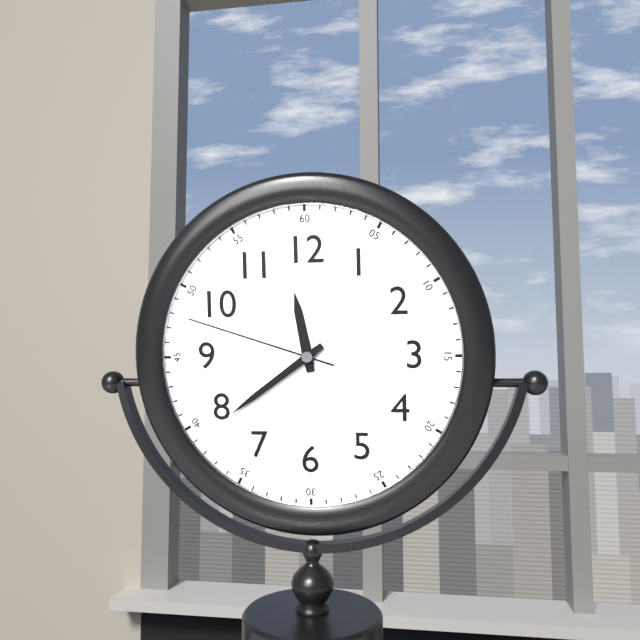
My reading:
11 h 39 min 48 s
